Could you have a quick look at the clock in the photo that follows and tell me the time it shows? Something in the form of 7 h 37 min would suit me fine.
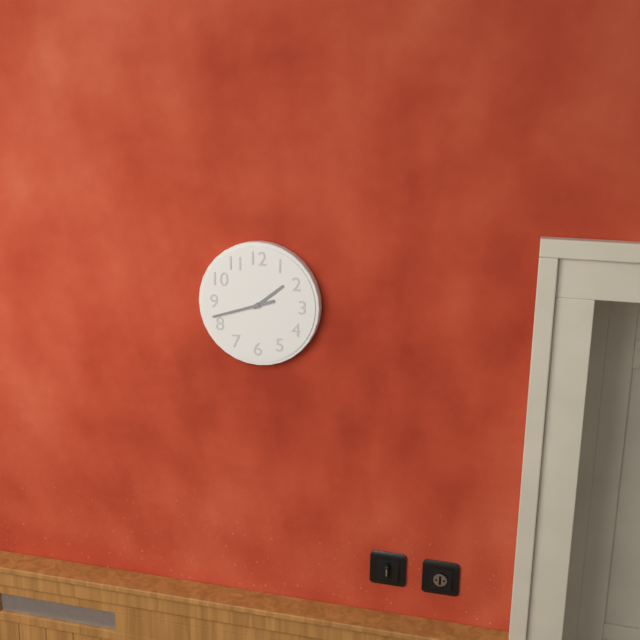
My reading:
1 h 42 min
